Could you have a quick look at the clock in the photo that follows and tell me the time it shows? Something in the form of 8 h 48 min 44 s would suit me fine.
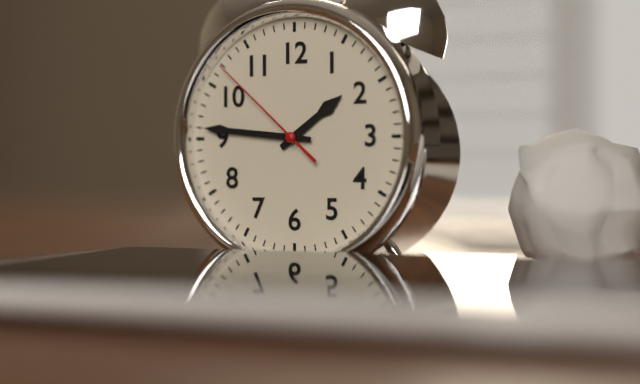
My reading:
1 h 46 min 52 s
